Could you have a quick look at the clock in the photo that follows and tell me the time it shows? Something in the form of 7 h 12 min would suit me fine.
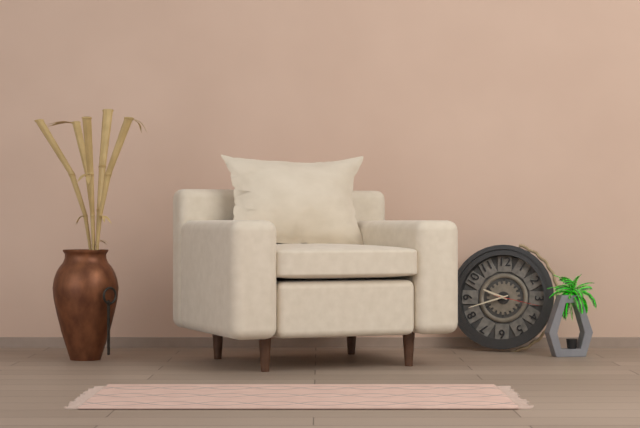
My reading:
9 h 42 min
